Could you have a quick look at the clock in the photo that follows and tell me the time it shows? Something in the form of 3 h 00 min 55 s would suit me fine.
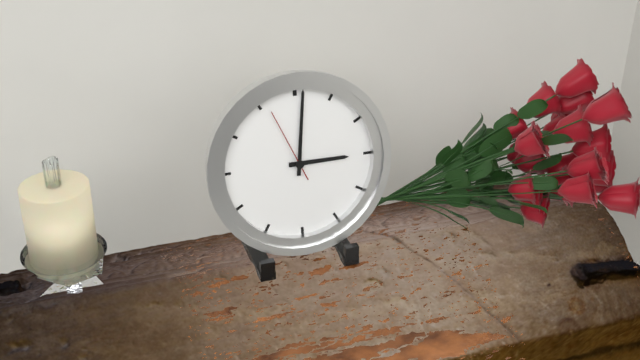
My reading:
3 h 01 min 56 s
